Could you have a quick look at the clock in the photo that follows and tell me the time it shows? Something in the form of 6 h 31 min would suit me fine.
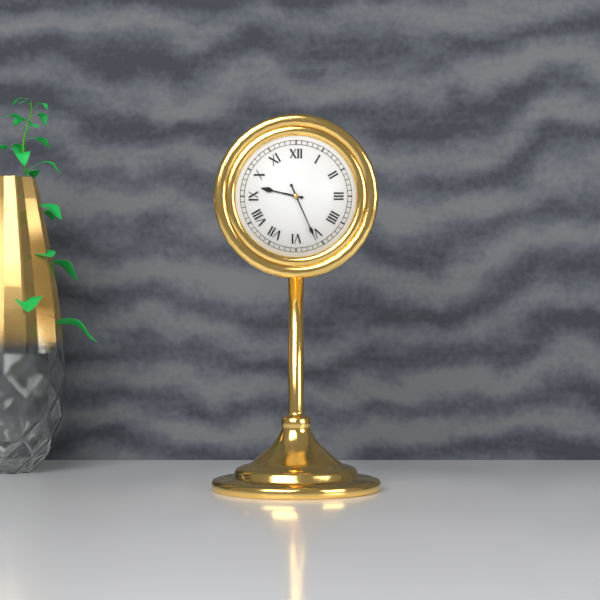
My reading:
9 h 26 min
